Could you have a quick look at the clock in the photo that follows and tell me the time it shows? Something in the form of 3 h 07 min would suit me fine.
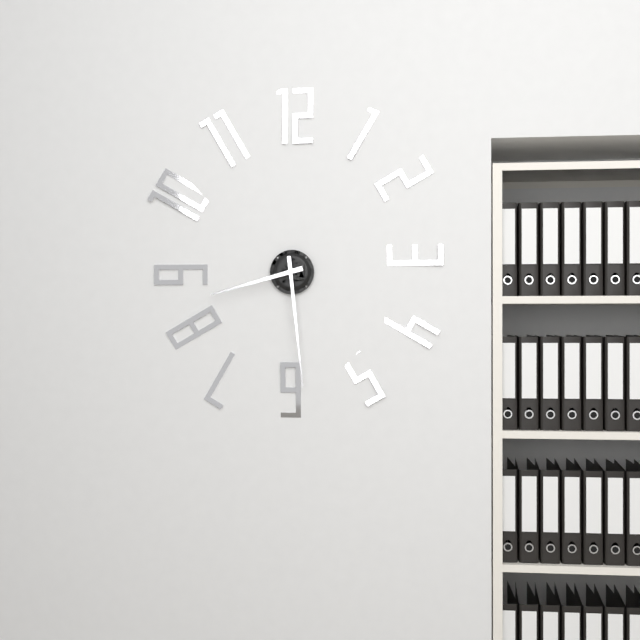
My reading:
8 h 29 min
